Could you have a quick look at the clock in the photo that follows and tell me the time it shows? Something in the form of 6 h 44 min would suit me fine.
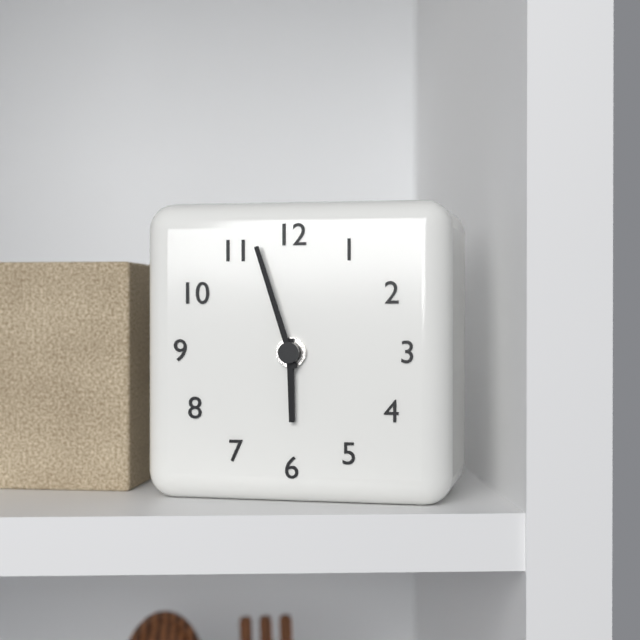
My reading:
5 h 57 min
